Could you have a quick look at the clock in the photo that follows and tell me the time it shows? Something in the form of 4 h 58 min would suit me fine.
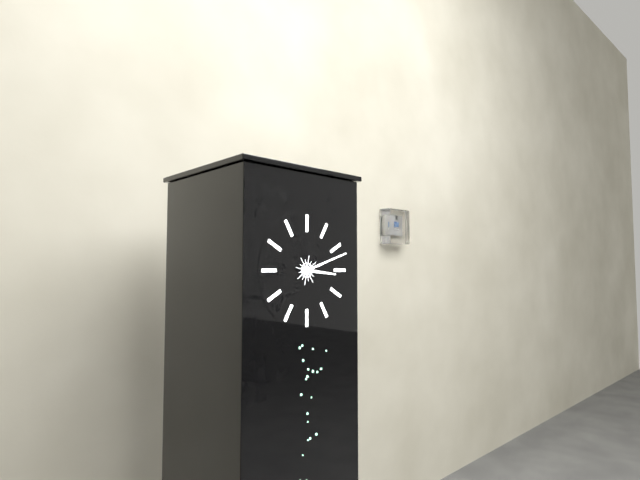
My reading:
3 h 12 min
